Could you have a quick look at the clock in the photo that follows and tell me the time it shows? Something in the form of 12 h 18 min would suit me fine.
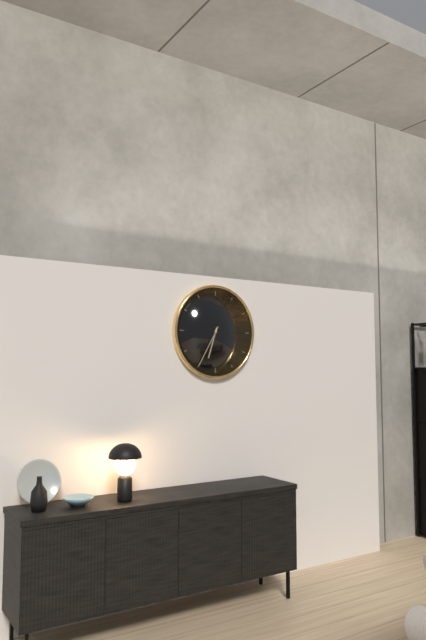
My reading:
6 h 35 min
